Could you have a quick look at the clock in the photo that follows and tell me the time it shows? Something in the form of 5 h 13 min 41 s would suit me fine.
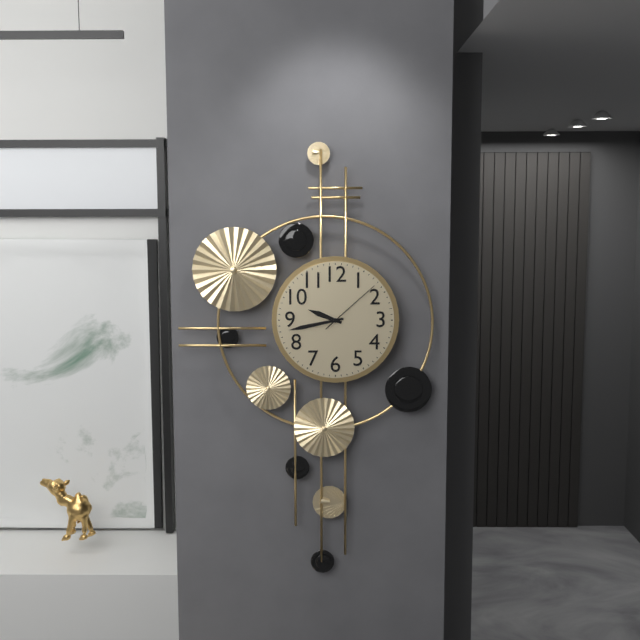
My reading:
9 h 43 min 08 s
